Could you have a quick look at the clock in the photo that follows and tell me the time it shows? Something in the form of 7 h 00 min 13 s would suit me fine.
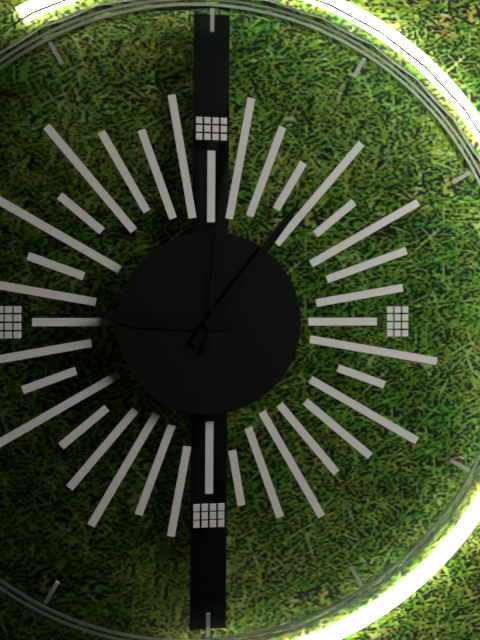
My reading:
9 h 06 min 01 s
